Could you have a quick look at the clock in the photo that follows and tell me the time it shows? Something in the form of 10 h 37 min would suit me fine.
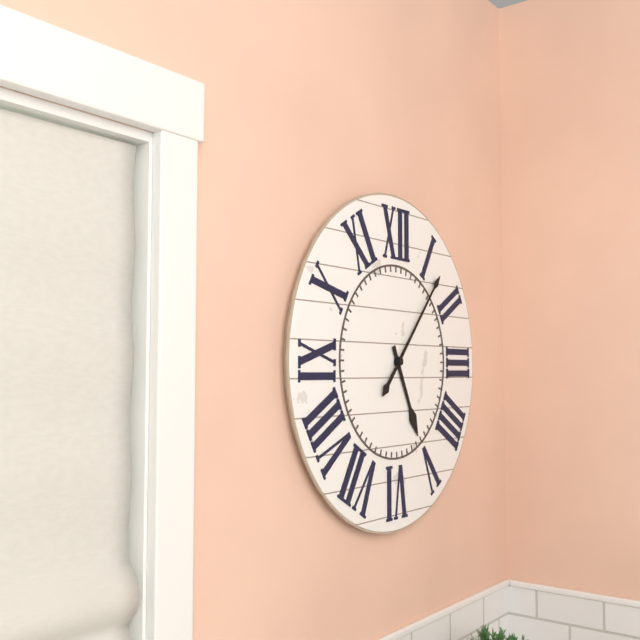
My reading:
5 h 07 min
